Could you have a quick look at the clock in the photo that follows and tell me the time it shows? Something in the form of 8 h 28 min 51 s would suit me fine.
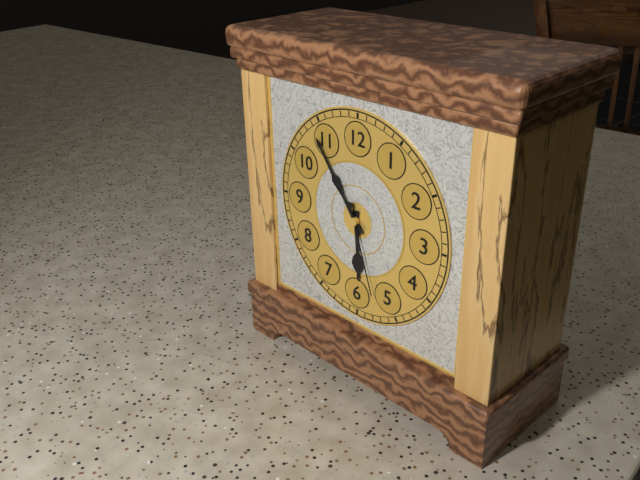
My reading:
5 h 54 min 27 s
